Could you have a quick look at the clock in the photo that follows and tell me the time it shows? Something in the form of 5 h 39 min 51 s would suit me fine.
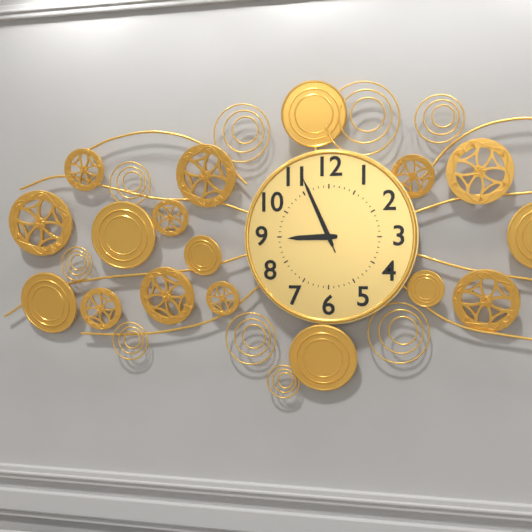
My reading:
8 h 56 min 56 s
